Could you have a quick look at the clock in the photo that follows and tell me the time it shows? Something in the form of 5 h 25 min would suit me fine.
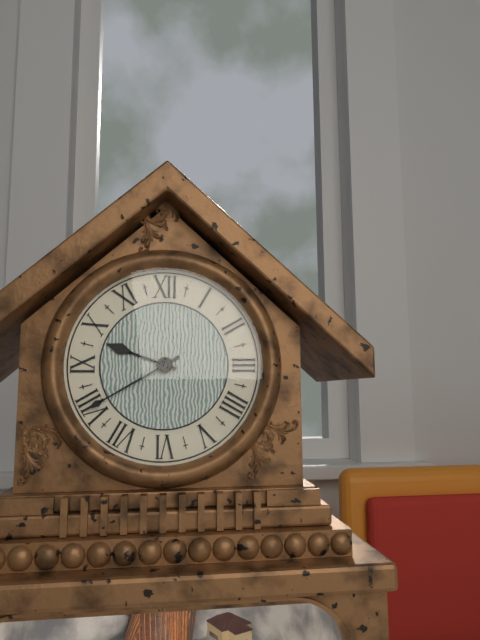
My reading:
9 h 40 min
